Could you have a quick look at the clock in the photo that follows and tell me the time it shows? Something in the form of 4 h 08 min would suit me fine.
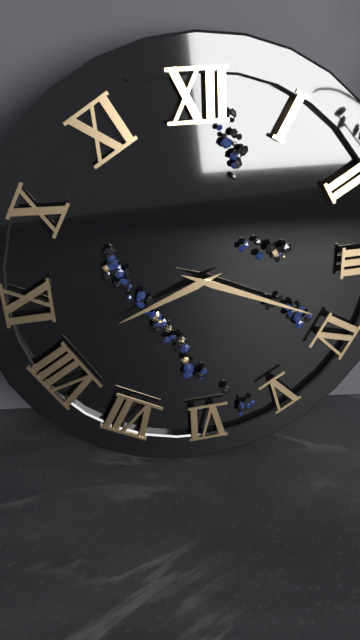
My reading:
8 h 19 min
